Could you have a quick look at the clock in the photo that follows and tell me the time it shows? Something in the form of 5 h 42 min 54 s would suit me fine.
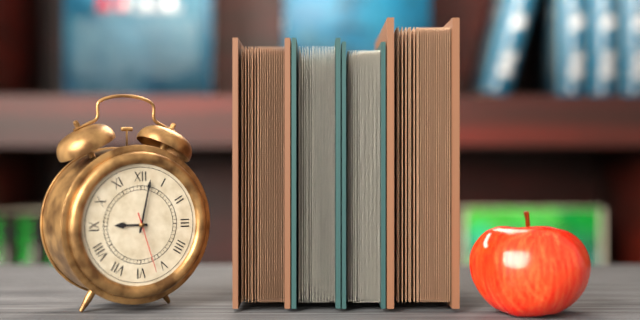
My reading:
9 h 02 min 27 s
